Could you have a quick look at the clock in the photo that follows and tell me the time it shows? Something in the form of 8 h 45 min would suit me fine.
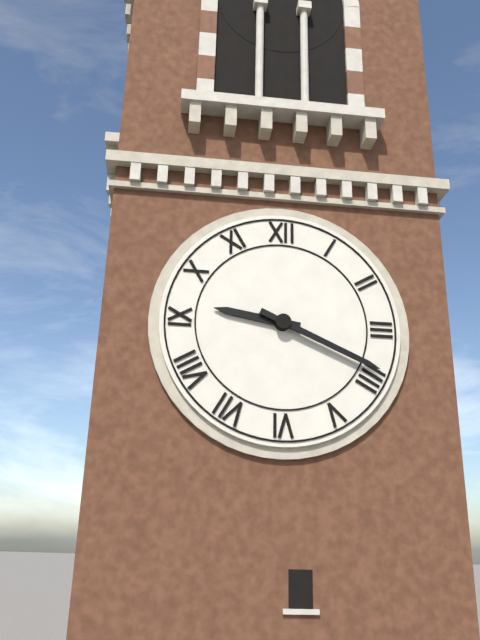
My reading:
9 h 19 min
